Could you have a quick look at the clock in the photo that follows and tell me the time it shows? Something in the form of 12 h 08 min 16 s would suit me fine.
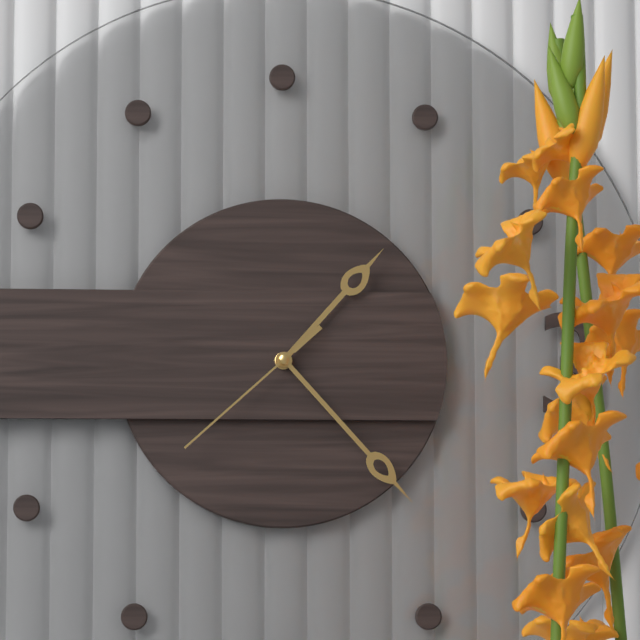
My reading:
1 h 23 min 38 s
